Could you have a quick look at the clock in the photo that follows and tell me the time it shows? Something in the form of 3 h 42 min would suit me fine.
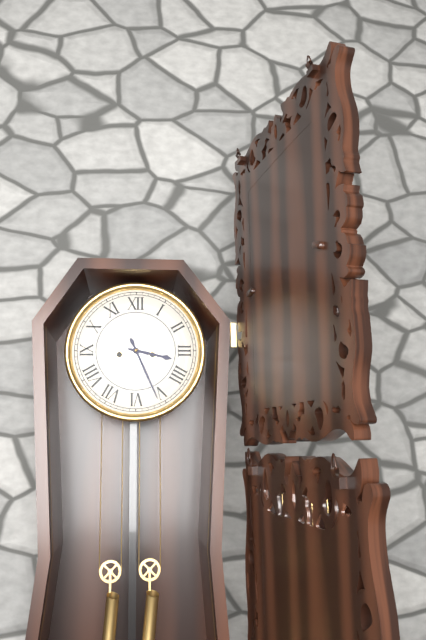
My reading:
3 h 26 min
